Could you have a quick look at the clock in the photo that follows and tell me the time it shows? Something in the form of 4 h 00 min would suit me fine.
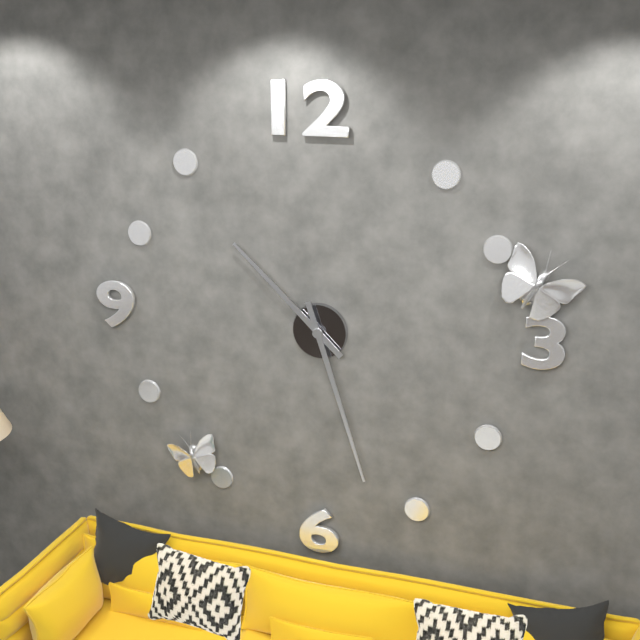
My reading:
10 h 27 min
